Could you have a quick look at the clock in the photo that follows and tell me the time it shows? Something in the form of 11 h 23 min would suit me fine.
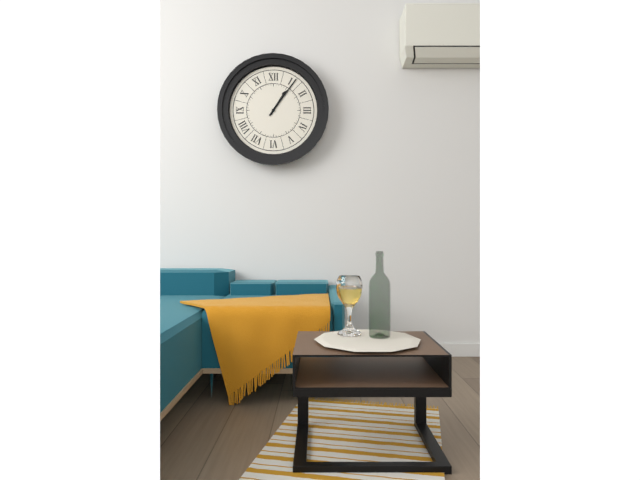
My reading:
1 h 06 min
